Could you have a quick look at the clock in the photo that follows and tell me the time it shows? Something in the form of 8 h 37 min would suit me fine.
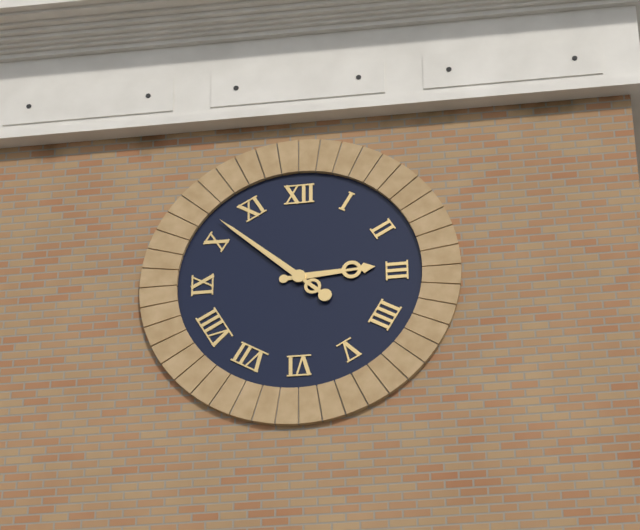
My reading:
2 h 52 min
